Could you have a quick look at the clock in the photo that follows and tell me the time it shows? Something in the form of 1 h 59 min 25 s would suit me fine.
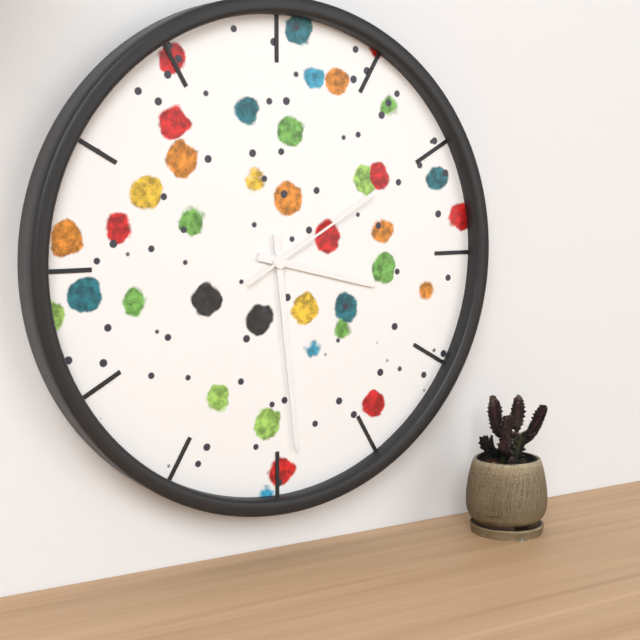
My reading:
3 h 29 min 10 s
